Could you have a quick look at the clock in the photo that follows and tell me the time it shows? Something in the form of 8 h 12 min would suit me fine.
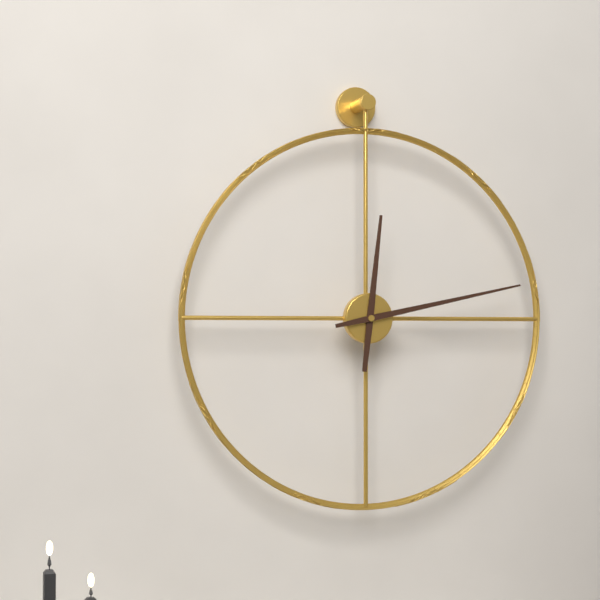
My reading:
12 h 13 min
